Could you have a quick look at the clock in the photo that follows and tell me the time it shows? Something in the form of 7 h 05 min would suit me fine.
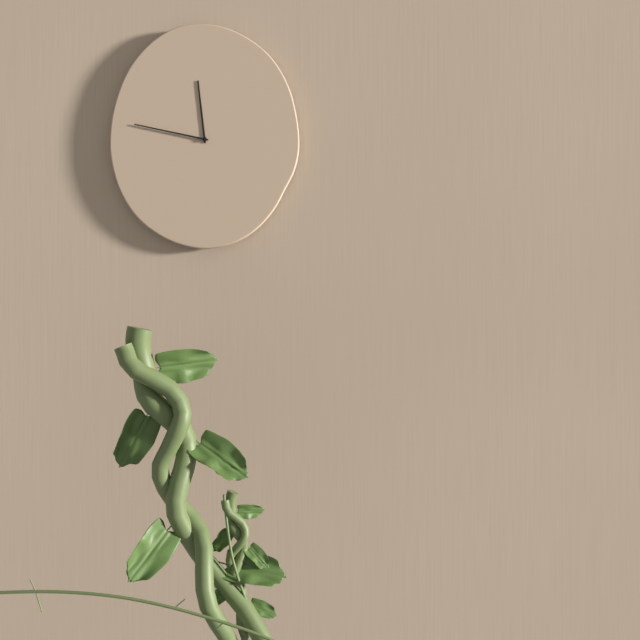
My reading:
11 h 47 min
